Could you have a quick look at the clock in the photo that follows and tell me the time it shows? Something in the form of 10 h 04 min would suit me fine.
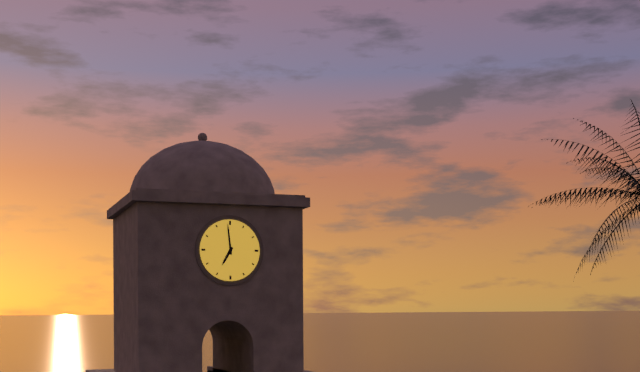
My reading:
6 h 59 min
